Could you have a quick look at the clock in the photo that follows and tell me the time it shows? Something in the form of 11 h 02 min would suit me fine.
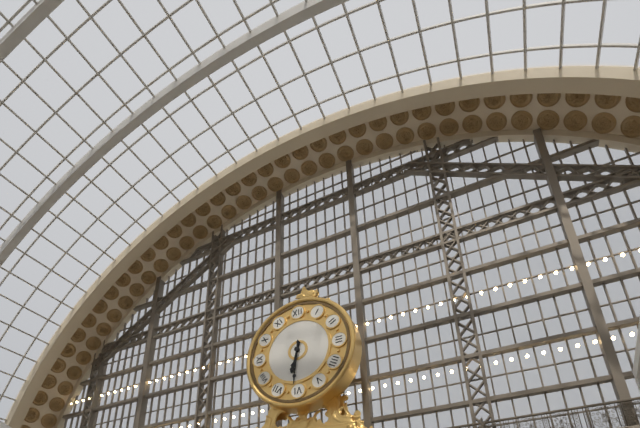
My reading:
6 h 31 min
